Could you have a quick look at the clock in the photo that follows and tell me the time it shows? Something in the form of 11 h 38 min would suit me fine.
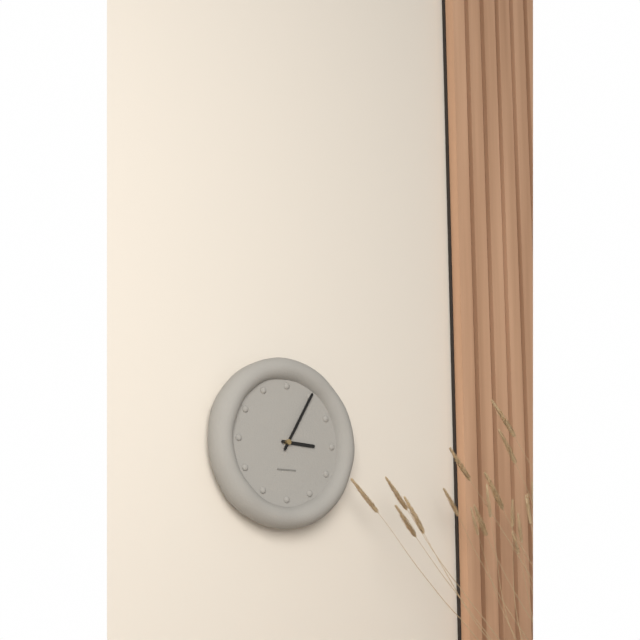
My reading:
3 h 05 min
